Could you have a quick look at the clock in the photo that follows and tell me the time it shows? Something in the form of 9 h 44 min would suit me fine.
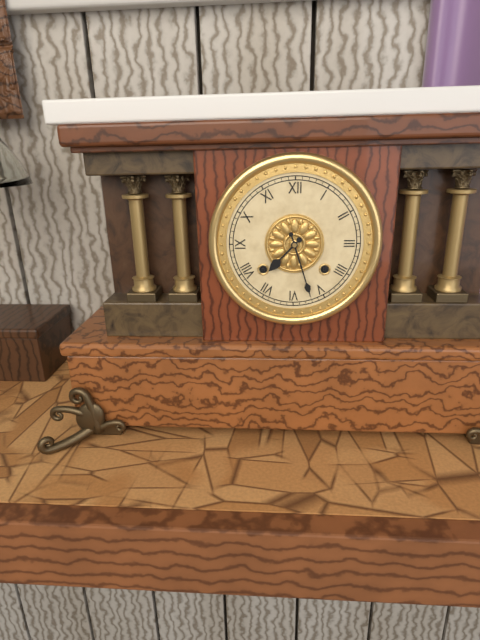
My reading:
7 h 27 min
